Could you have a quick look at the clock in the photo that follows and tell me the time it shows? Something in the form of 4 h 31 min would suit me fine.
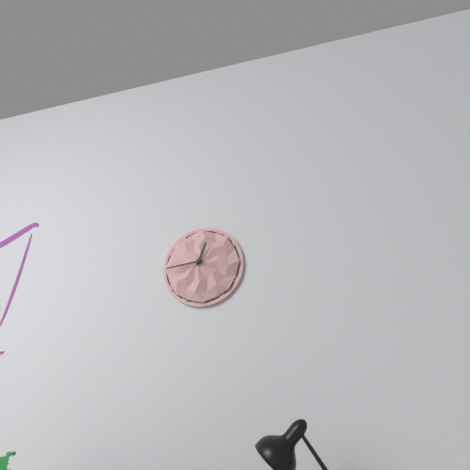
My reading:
12 h 44 min
